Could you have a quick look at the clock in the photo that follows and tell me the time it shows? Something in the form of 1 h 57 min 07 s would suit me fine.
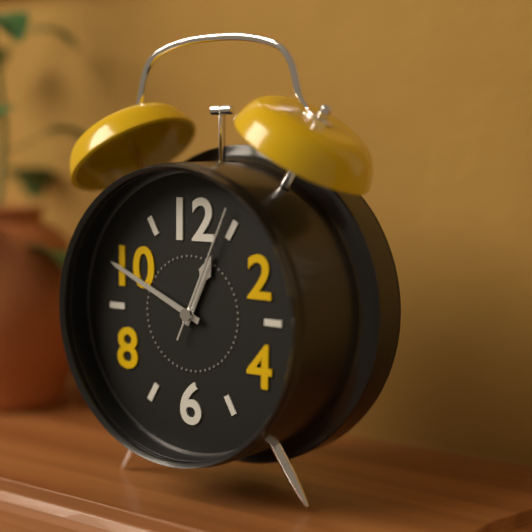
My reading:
12 h 49 min 04 s
